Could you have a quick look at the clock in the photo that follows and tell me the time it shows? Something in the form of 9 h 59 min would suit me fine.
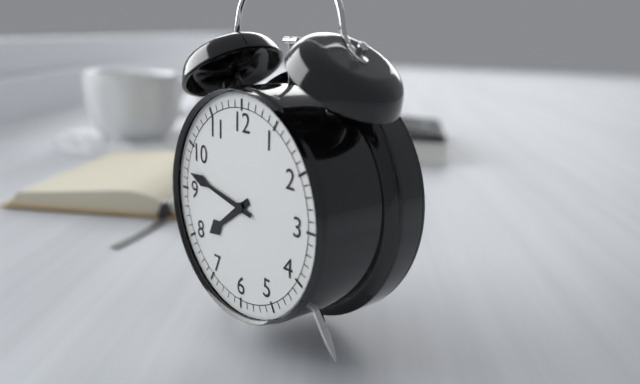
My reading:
7 h 47 min
